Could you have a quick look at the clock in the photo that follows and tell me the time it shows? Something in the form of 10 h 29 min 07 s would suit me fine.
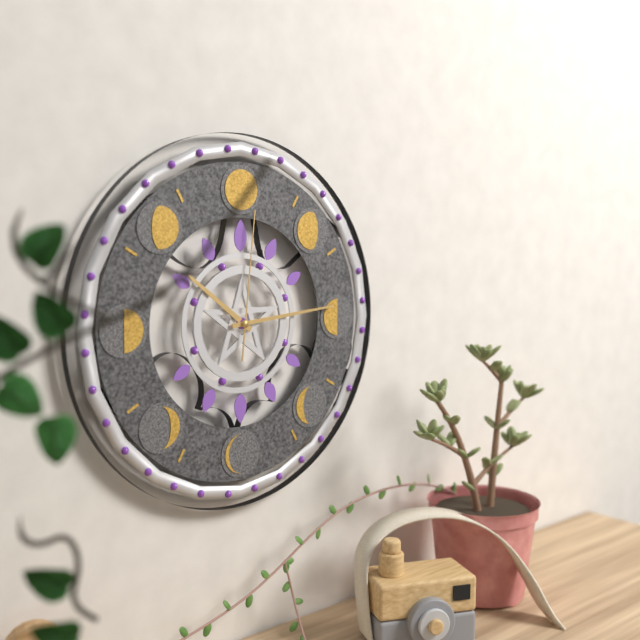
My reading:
10 h 14 min 01 s
